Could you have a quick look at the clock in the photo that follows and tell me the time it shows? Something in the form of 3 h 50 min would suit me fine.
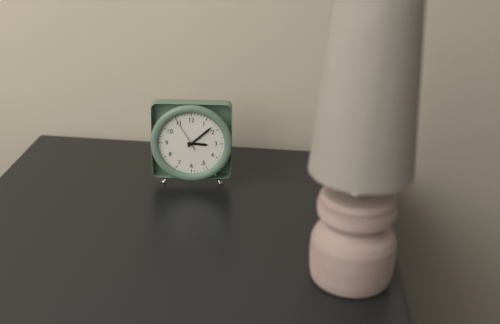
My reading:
3 h 08 min
